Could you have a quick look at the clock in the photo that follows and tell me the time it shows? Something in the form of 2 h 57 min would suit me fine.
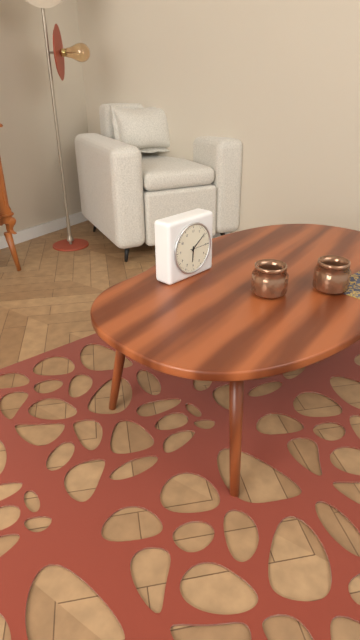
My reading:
6 h 09 min
